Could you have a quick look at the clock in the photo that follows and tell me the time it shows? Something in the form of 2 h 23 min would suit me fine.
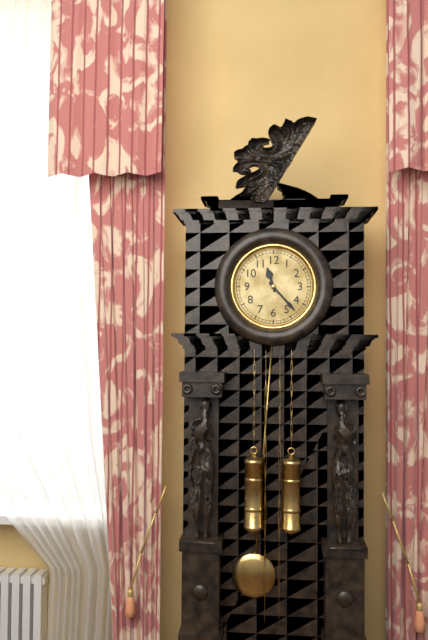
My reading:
11 h 23 min
